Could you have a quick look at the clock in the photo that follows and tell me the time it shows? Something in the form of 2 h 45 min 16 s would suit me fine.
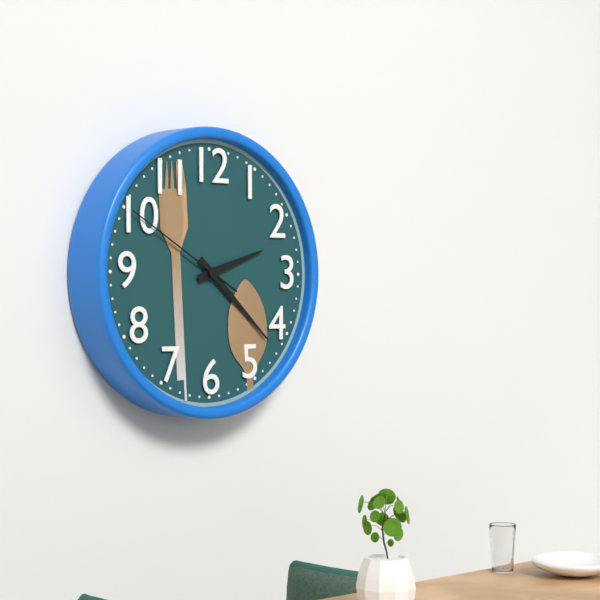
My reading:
2 h 22 min 50 s
